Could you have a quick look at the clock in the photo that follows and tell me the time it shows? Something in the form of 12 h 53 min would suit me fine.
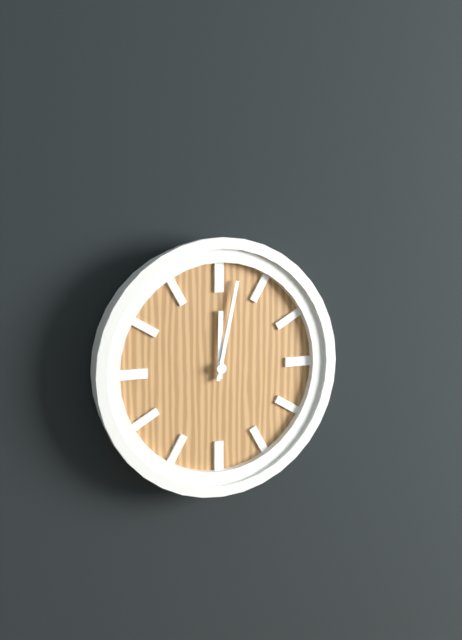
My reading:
12 h 02 min
